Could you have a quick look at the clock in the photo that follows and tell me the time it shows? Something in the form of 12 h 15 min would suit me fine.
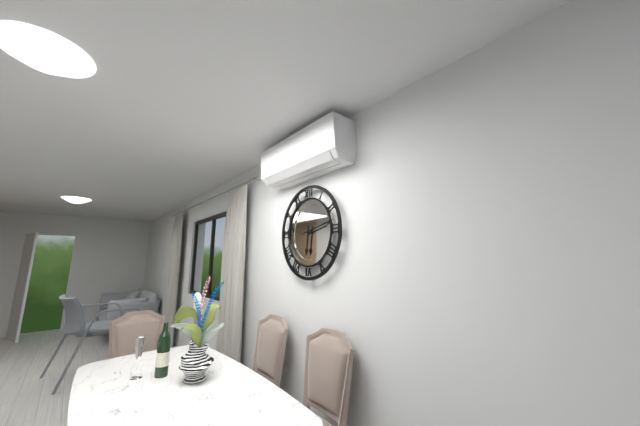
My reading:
6 h 13 min
